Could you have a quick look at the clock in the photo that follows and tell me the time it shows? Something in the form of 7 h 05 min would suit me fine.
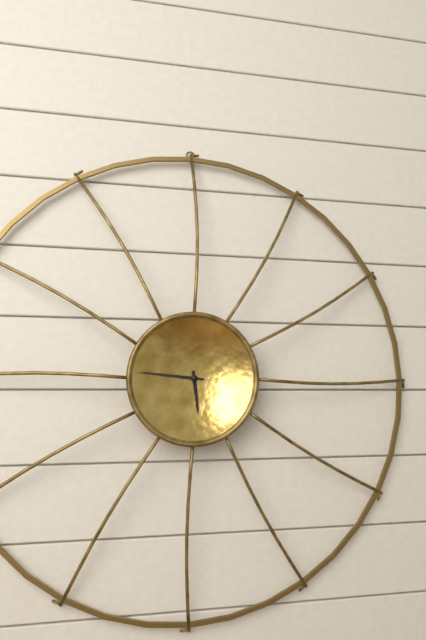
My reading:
5 h 46 min
